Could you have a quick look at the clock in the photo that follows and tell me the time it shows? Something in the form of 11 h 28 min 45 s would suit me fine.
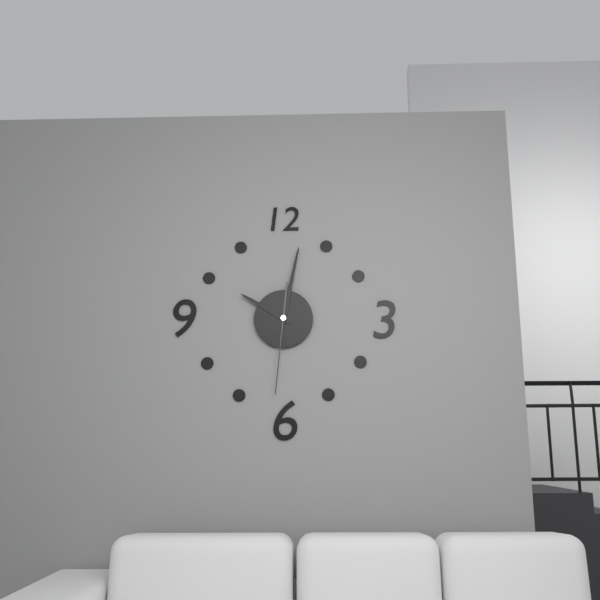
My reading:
10 h 02 min 31 s
